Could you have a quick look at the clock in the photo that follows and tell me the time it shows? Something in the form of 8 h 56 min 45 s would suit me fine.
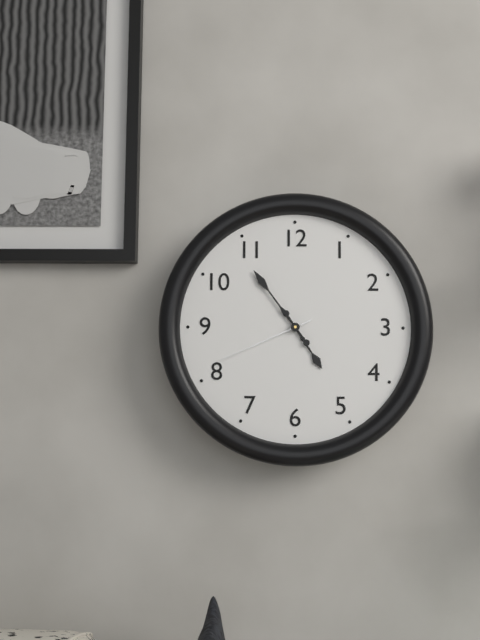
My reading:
4 h 54 min 41 s
